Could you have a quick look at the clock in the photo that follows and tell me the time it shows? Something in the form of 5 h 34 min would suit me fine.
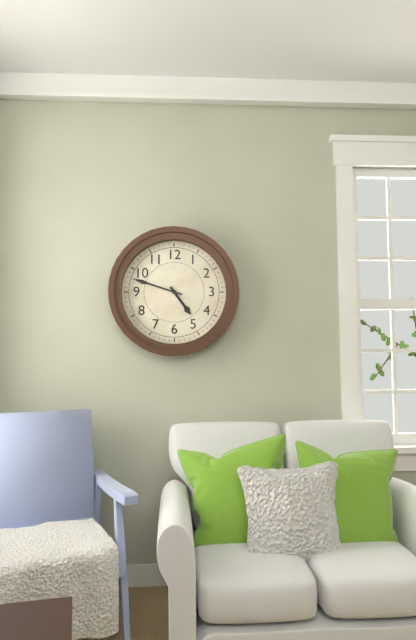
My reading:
4 h 48 min
